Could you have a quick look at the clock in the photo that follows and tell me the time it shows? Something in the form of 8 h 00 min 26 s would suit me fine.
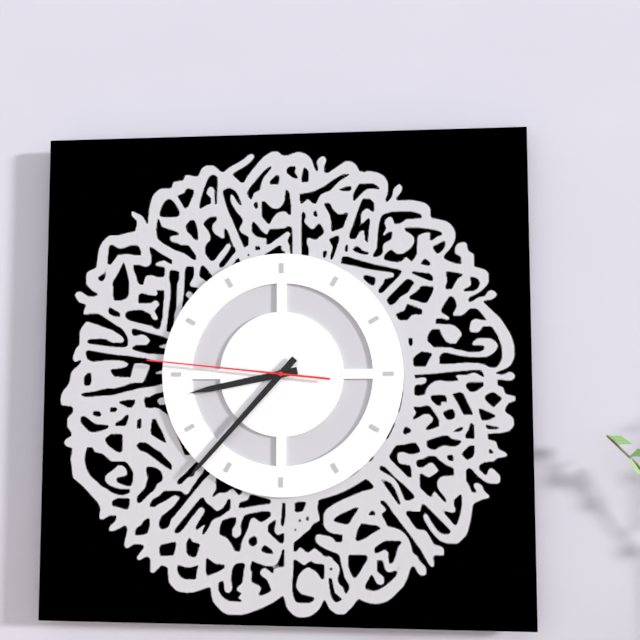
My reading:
8 h 37 min 46 s
